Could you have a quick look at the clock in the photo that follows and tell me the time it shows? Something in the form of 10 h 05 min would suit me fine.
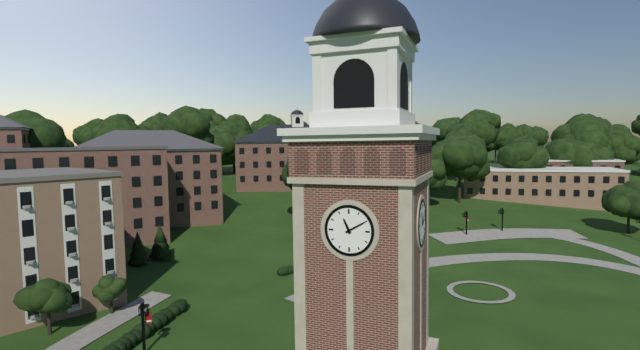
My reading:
11 h 10 min
